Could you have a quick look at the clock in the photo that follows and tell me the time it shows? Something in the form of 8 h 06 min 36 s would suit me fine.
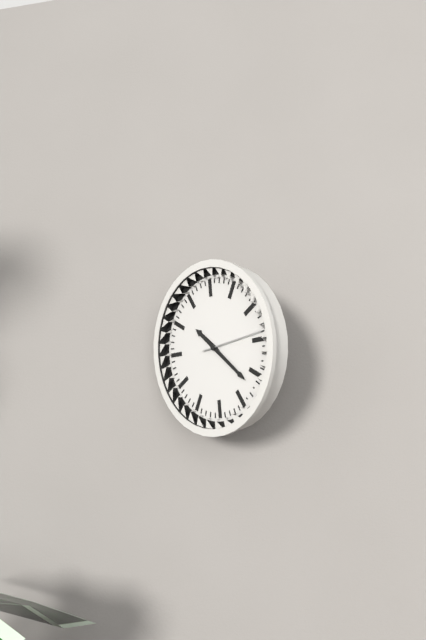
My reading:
10 h 22 min 14 s
